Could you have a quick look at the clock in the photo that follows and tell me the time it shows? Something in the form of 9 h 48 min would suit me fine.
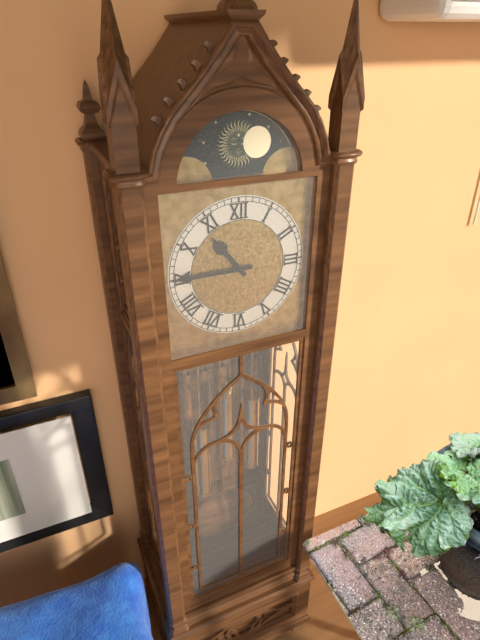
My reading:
10 h 45 min
